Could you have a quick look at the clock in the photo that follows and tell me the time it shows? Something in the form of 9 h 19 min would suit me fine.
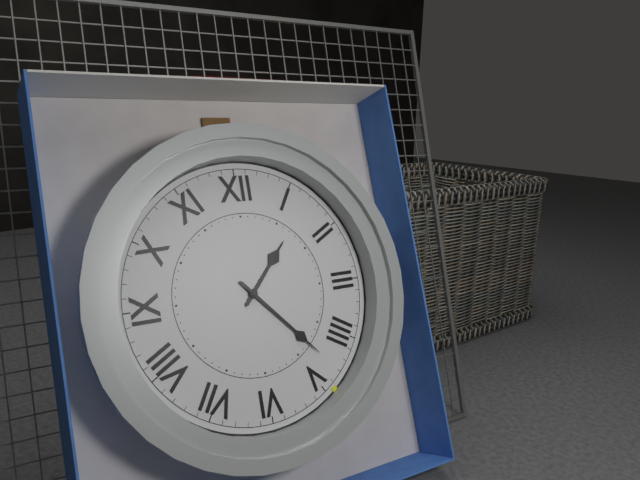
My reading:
1 h 23 min
